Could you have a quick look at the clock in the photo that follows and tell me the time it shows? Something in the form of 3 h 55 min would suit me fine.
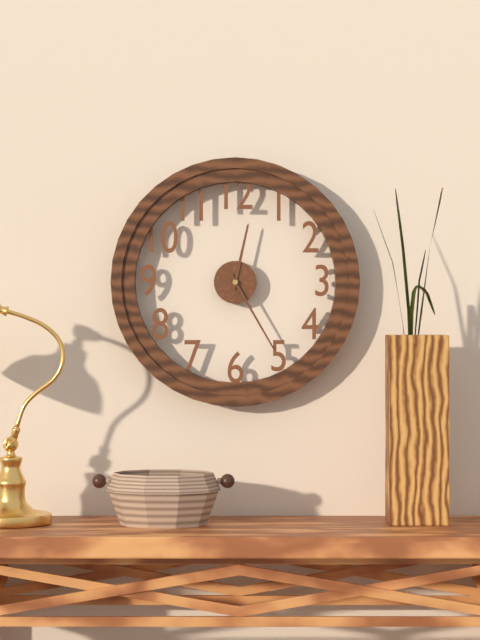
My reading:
12 h 25 min
